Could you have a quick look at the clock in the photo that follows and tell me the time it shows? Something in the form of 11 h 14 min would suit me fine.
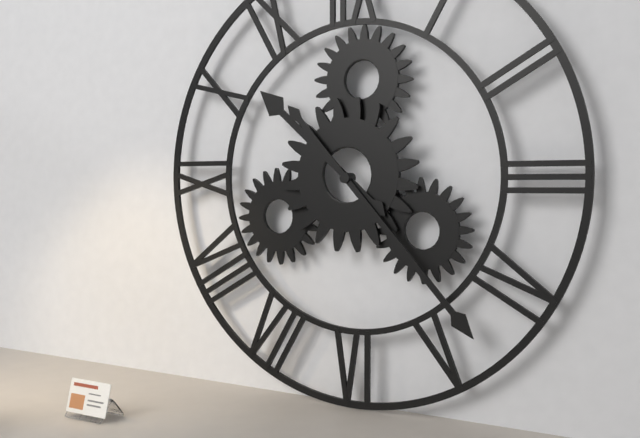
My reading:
10 h 23 min
